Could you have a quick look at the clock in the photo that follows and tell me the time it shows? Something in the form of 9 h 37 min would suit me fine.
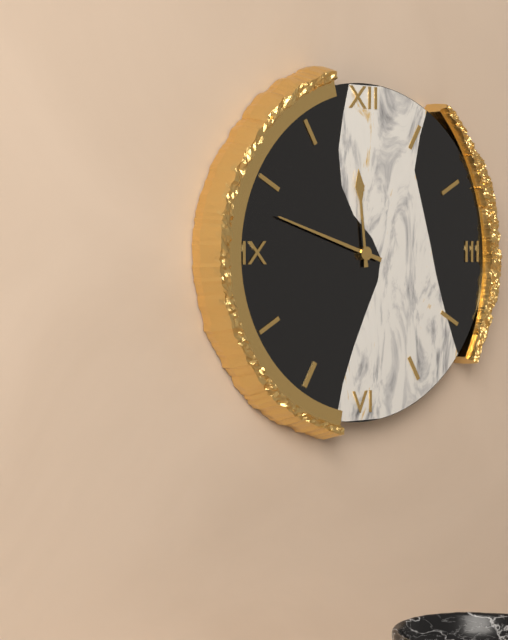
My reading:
11 h 48 min
